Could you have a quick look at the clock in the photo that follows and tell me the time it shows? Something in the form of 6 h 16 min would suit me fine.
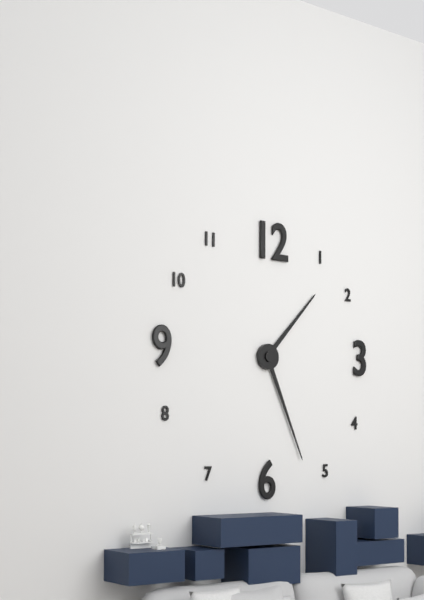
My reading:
1 h 26 min
